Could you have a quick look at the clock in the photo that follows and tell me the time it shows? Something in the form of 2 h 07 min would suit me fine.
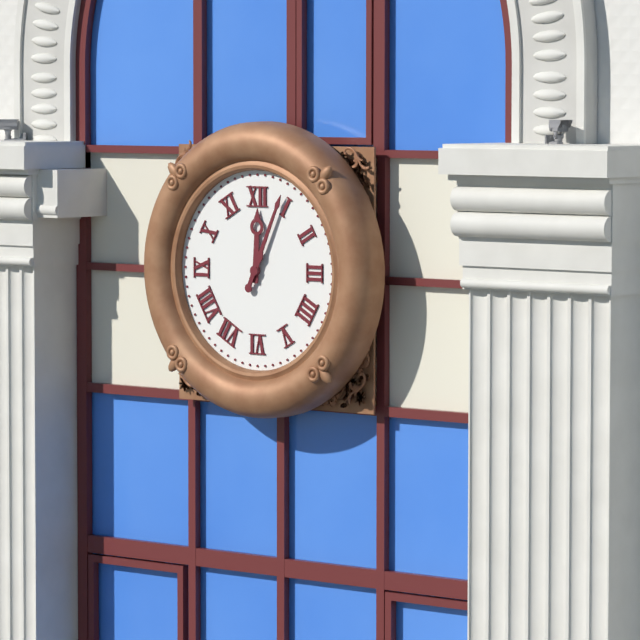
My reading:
12 h 04 min
